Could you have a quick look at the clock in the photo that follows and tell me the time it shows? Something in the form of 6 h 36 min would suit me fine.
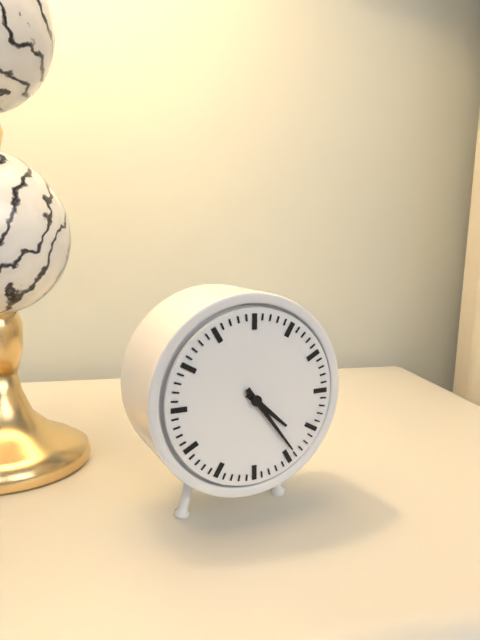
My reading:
4 h 24 min
